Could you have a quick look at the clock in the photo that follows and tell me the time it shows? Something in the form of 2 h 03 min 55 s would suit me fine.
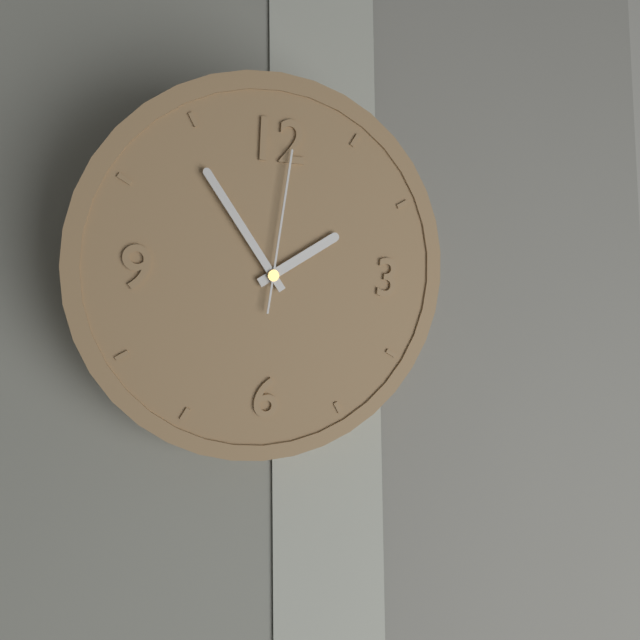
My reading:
1 h 54 min 01 s
